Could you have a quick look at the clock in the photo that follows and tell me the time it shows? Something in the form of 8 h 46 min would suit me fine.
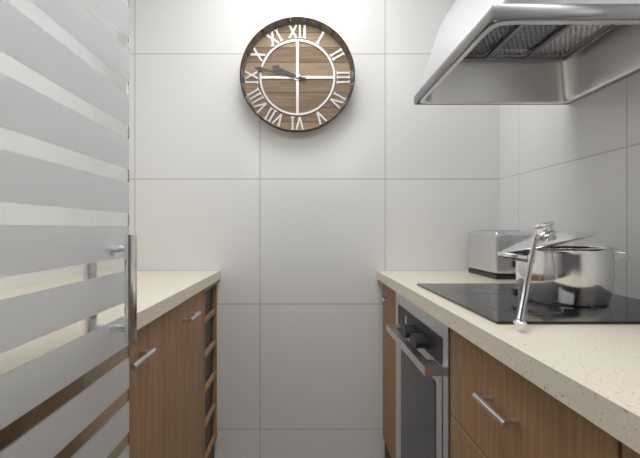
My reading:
9 h 47 min
